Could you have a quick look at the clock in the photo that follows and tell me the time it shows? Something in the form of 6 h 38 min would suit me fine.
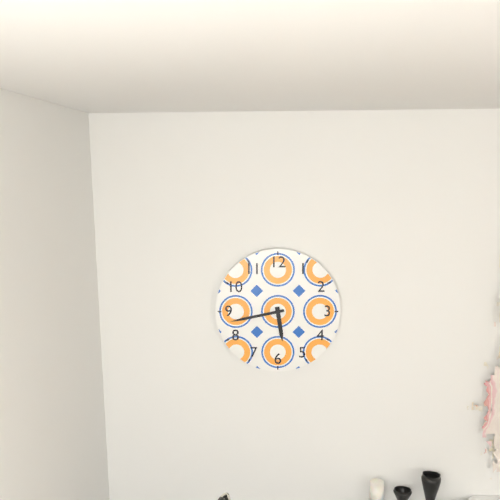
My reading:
5 h 43 min
